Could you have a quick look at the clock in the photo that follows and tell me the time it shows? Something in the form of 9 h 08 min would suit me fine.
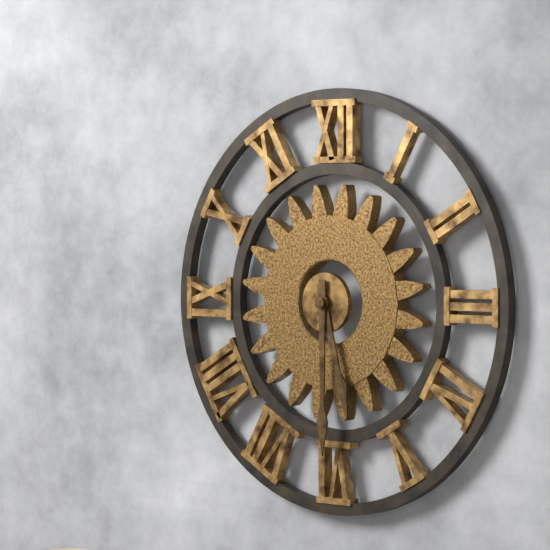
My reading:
5 h 30 min
